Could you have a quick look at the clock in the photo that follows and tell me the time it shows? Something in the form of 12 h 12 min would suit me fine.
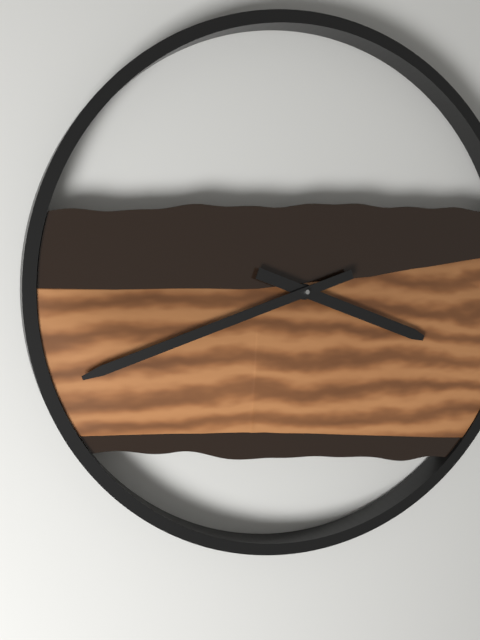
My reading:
3 h 42 min
